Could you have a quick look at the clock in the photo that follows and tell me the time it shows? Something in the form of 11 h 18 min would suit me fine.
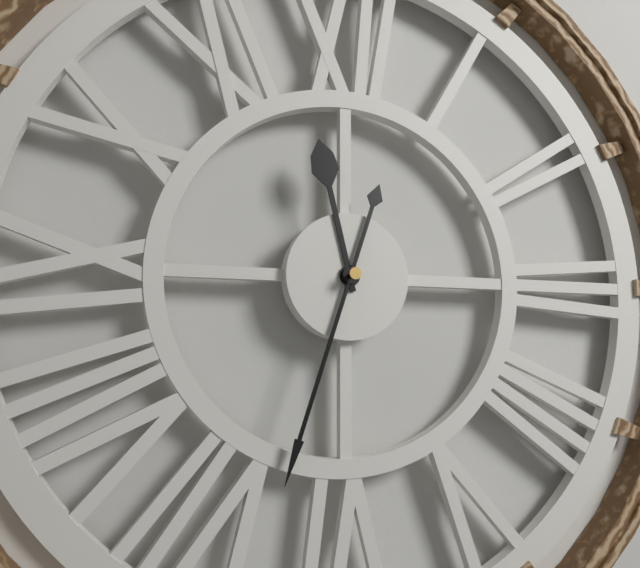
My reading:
11 h 33 min
